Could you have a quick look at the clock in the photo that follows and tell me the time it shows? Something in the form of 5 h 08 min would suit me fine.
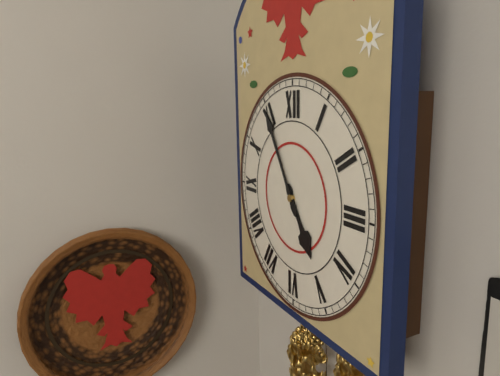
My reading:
4 h 55 min
